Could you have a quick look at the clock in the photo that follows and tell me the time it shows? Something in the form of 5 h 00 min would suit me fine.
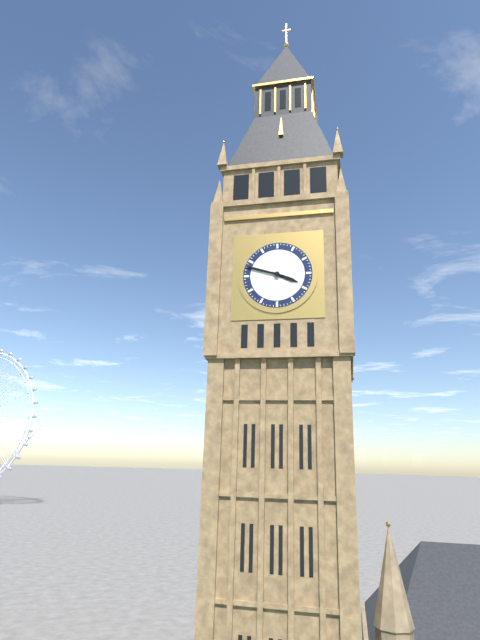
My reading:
3 h 48 min
